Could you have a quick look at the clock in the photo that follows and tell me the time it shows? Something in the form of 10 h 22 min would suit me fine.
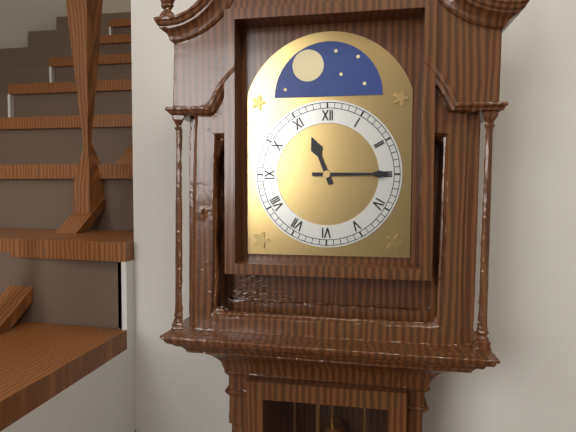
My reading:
11 h 15 min
